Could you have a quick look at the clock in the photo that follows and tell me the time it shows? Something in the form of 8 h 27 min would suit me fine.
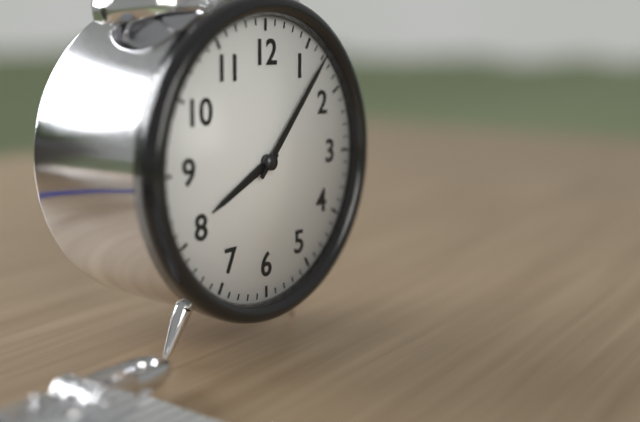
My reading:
8 h 07 min
